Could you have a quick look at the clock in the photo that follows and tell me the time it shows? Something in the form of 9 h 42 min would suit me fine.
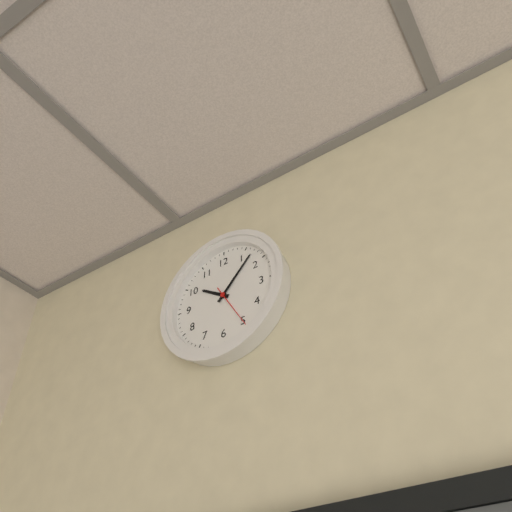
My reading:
10 h 07 min
